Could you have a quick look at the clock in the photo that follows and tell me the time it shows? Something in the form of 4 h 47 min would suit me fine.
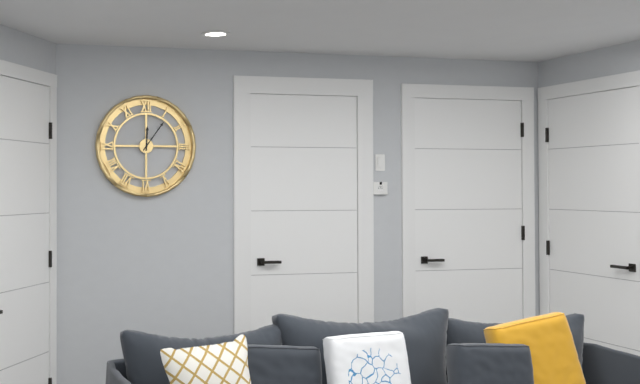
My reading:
12 h 06 min
